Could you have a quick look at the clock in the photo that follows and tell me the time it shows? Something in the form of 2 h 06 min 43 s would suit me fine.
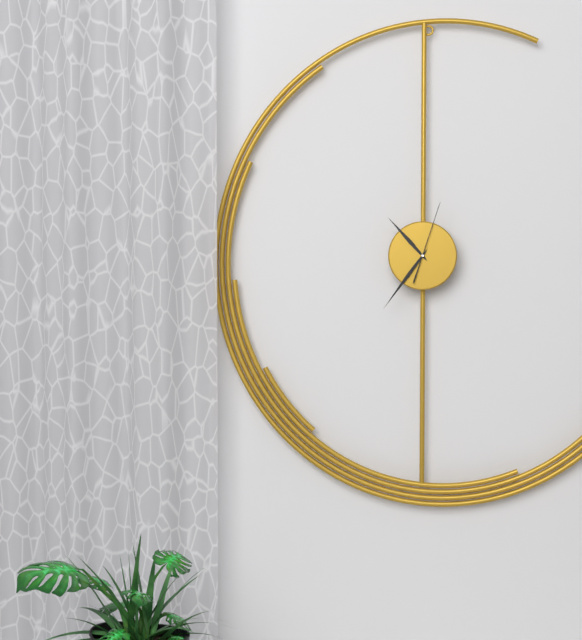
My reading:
10 h 36 min 03 s
